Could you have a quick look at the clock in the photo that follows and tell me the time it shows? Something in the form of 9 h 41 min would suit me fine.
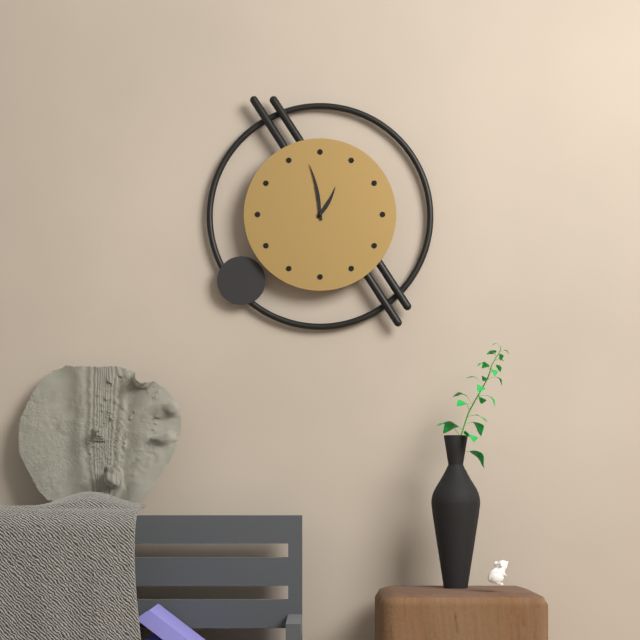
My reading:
12 h 58 min
